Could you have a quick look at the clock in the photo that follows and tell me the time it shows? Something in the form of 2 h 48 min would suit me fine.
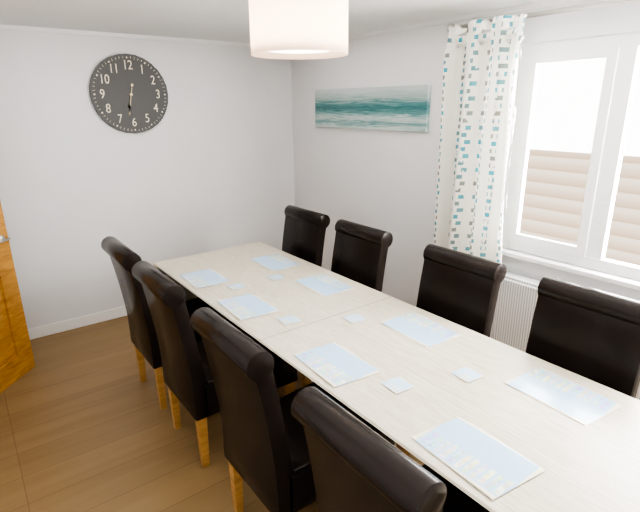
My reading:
6 h 32 min
